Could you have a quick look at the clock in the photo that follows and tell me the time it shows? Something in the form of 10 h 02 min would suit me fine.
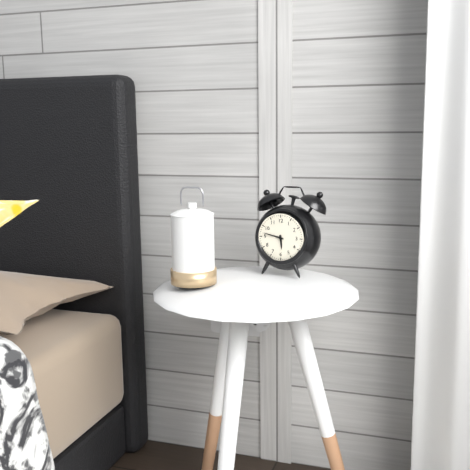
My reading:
5 h 47 min
